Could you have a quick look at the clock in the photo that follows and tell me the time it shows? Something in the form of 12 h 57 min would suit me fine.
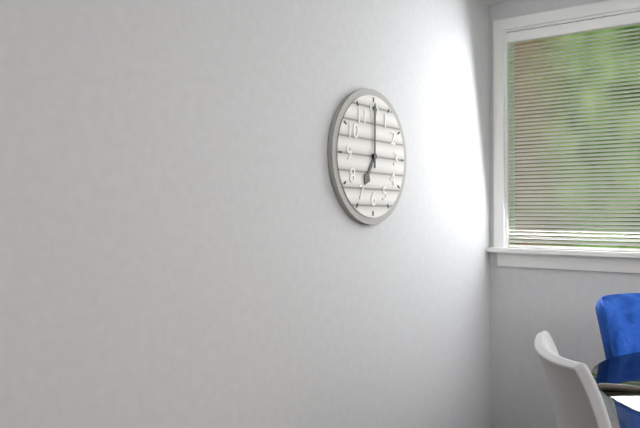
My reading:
7 h 00 min
